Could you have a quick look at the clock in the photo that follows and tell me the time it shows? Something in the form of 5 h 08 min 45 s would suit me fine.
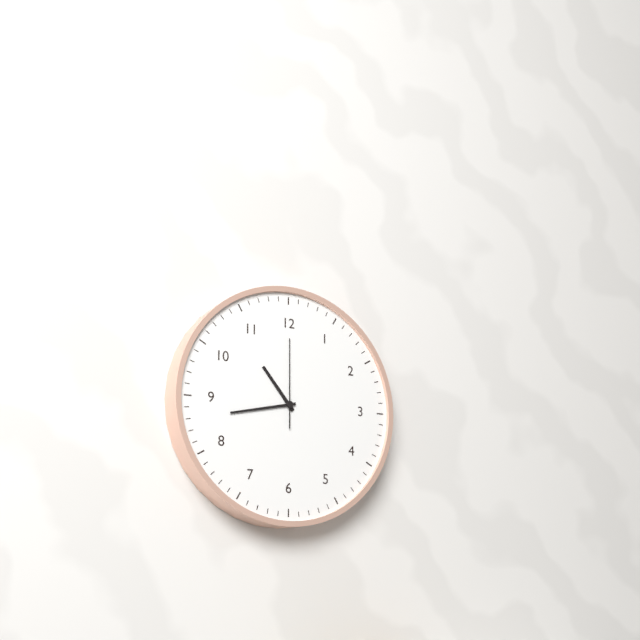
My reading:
10 h 43 min 00 s
